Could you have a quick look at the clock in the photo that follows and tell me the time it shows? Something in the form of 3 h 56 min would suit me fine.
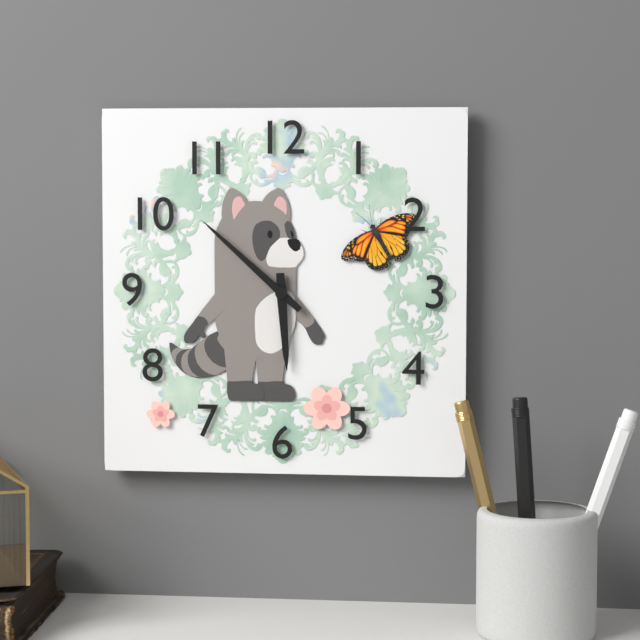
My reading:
5 h 52 min
